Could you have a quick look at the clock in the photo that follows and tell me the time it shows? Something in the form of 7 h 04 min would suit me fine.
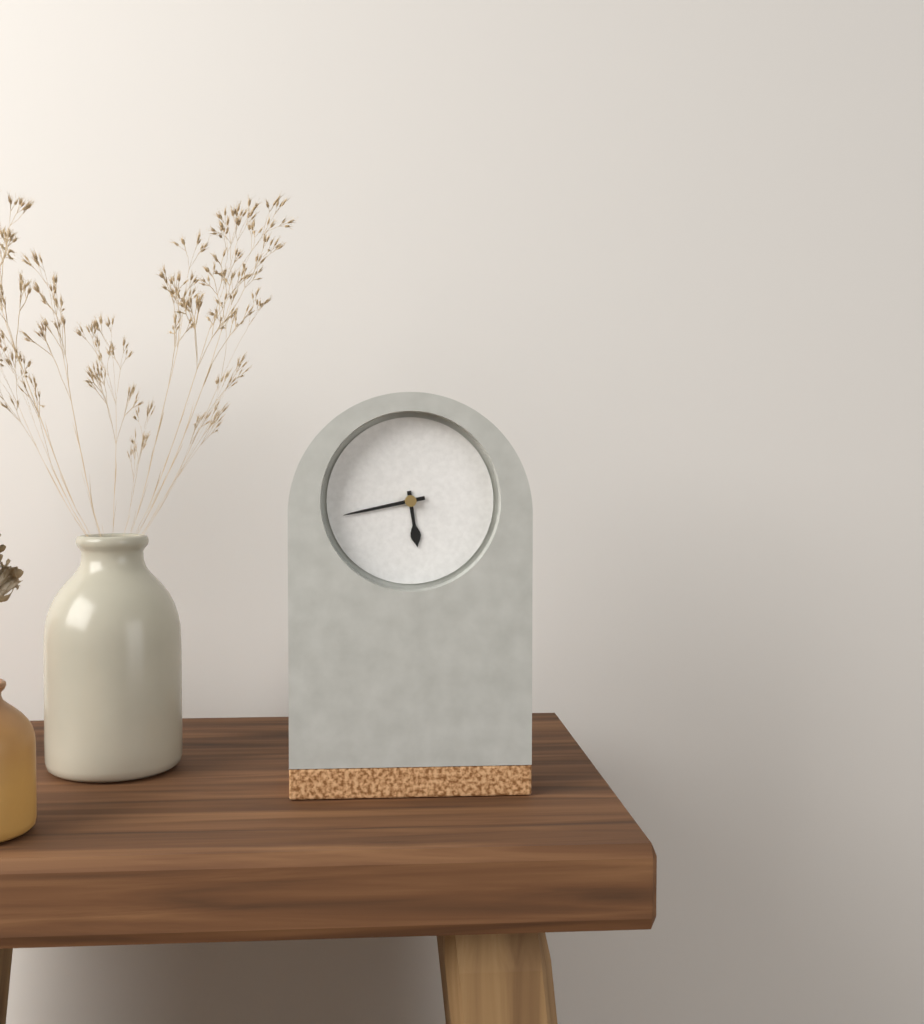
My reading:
5 h 43 min
